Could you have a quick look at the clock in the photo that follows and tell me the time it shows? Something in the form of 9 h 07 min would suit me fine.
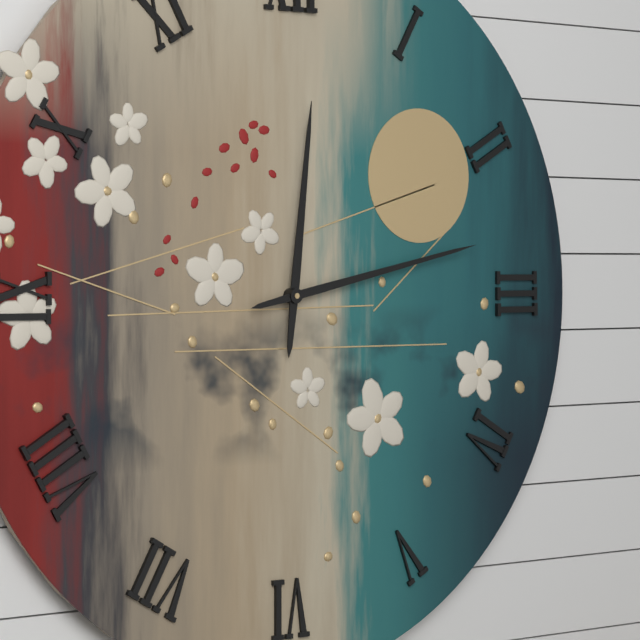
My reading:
12 h 13 min
